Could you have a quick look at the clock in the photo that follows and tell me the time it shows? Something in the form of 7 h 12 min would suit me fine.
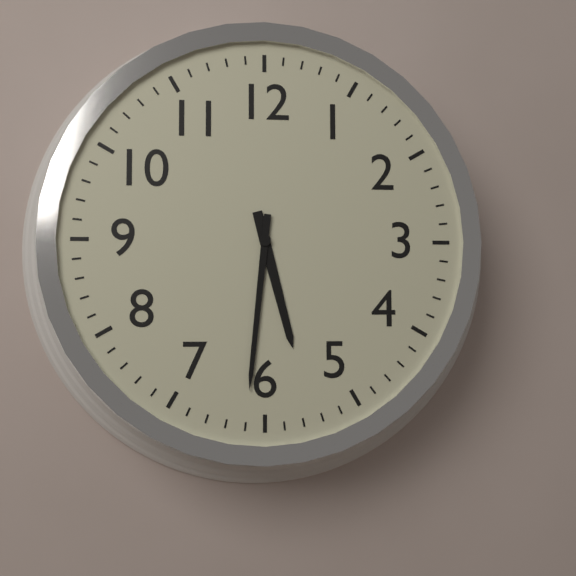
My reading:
5 h 31 min
